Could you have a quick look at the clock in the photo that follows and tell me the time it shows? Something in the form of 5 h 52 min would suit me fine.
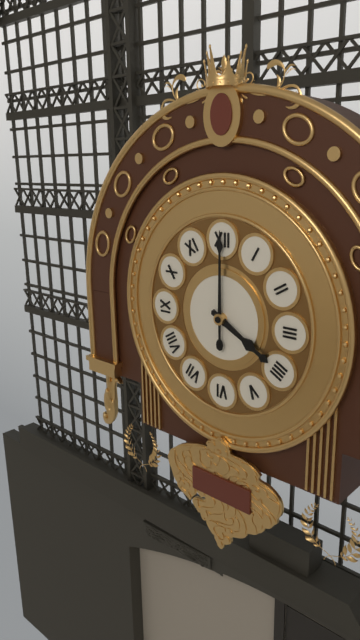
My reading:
4 h 00 min
